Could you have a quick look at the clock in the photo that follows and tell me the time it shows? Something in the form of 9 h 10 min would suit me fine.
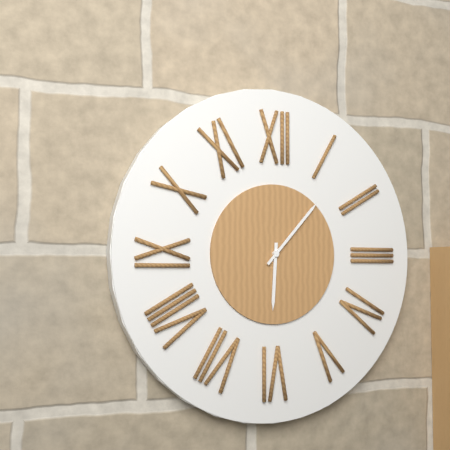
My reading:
6 h 07 min
